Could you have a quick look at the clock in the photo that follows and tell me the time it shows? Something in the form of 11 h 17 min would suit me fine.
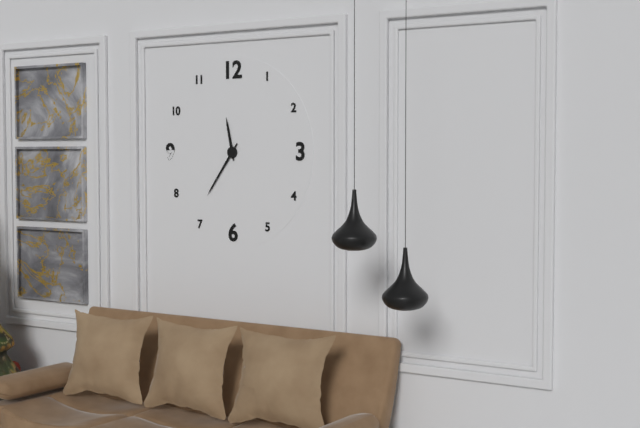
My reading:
11 h 36 min
